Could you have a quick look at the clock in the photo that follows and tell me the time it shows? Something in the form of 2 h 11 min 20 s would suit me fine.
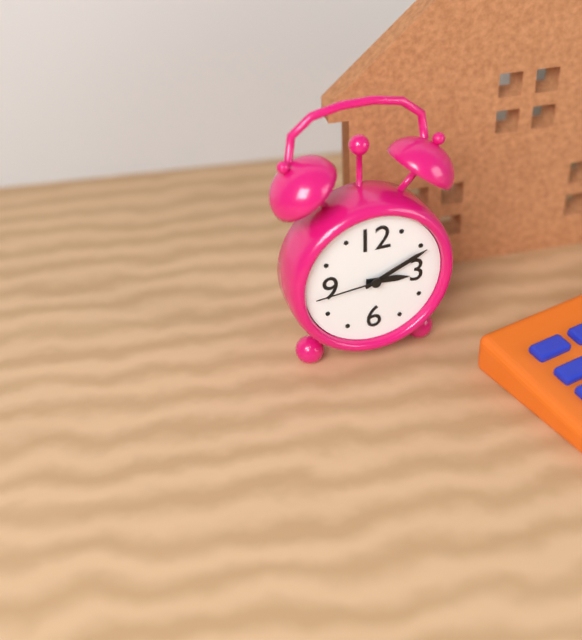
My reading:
3 h 11 min 44 s
